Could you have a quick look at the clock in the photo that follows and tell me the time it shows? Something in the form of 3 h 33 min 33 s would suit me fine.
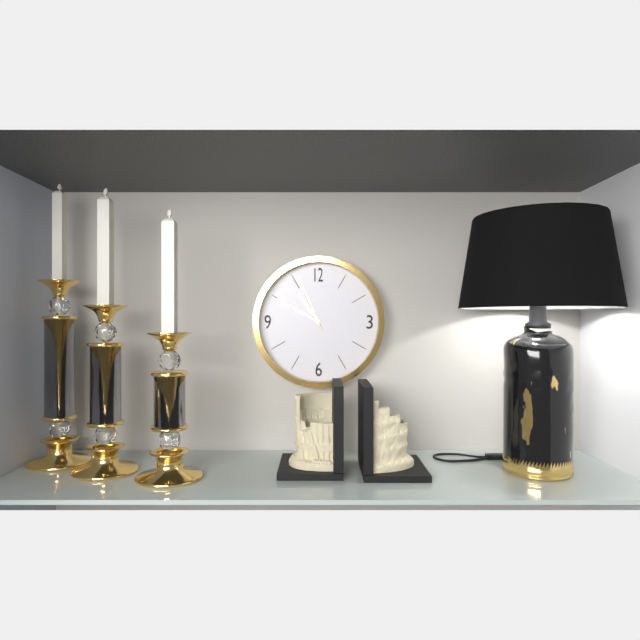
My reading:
10 h 50 min 56 s
